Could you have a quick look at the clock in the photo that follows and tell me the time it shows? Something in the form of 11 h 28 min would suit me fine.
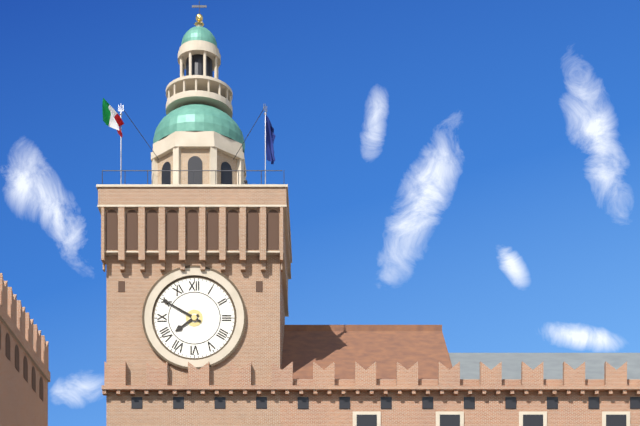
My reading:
7 h 50 min
